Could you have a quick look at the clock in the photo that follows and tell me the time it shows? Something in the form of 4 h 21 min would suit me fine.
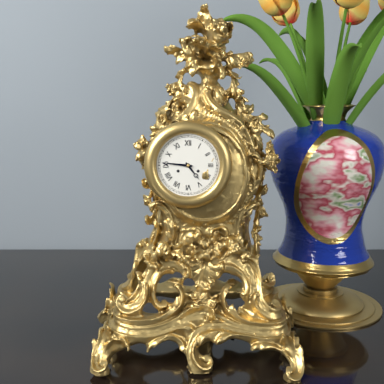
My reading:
4 h 46 min
